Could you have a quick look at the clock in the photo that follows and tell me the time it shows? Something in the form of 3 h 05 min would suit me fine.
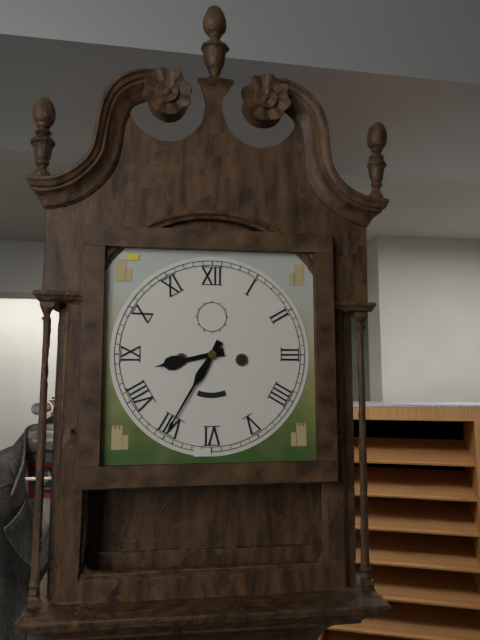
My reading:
8 h 35 min
